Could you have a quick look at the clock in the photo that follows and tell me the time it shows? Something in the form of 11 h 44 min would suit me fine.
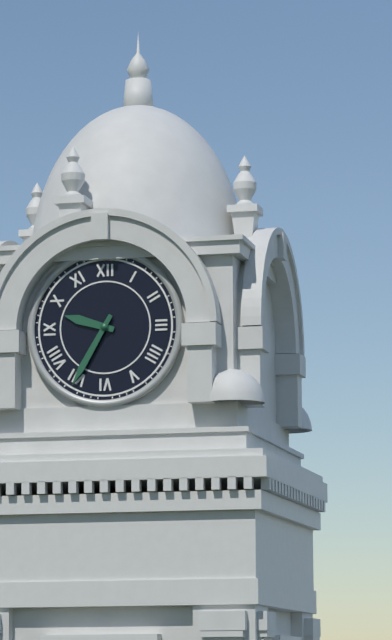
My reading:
9 h 35 min
